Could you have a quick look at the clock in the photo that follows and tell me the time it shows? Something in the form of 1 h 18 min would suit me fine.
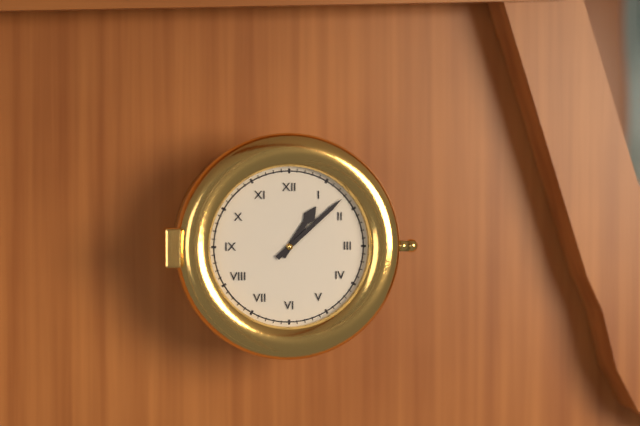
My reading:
1 h 08 min
